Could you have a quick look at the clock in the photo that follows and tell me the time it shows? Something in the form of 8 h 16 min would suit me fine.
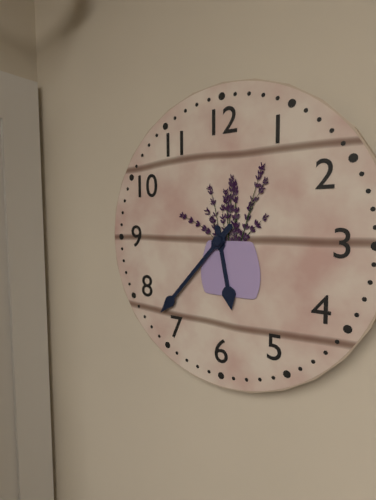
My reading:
5 h 37 min
